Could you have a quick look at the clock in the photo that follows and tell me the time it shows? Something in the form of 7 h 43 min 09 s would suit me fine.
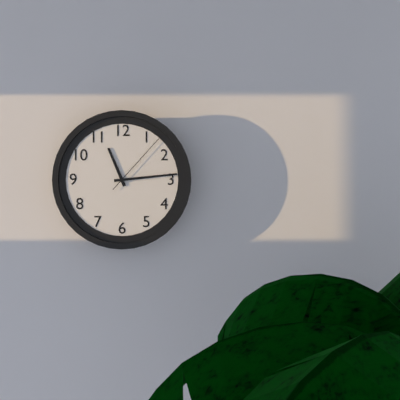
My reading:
11 h 14 min 07 s
